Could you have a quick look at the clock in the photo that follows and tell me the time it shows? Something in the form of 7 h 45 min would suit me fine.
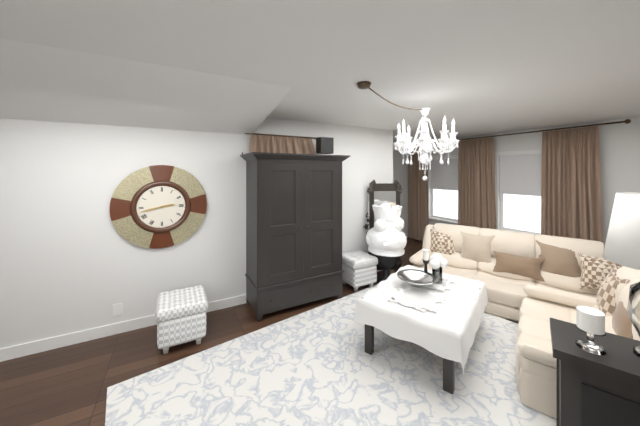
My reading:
2 h 43 min
